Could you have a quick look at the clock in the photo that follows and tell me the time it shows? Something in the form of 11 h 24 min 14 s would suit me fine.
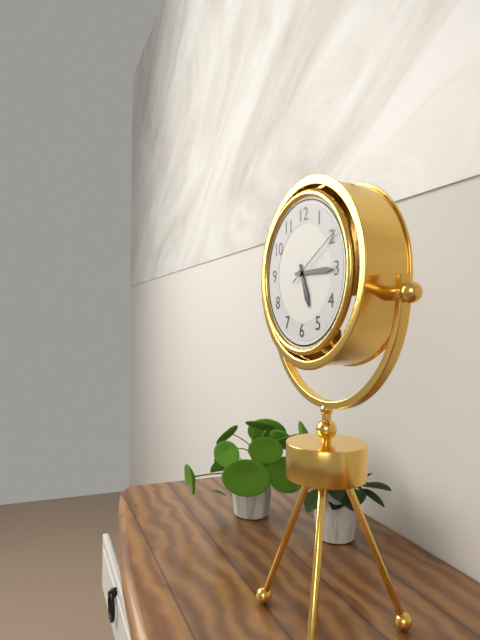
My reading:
5 h 15 min 10 s
